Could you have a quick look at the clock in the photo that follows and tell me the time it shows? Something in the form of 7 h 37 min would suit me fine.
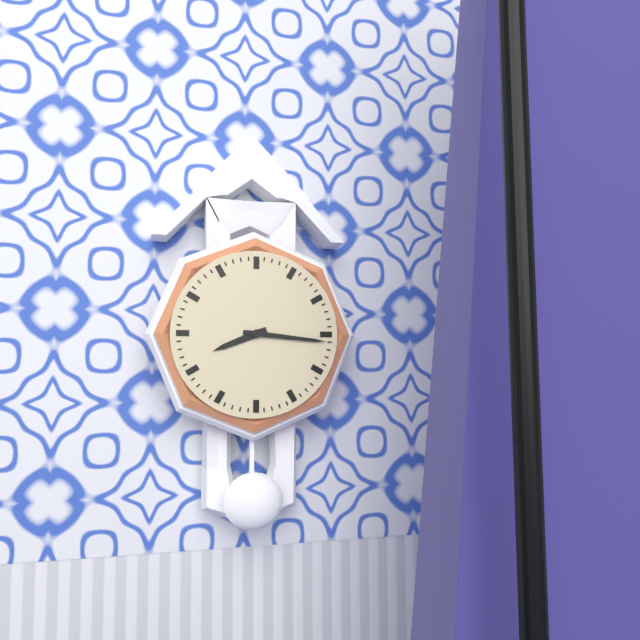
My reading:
8 h 16 min
